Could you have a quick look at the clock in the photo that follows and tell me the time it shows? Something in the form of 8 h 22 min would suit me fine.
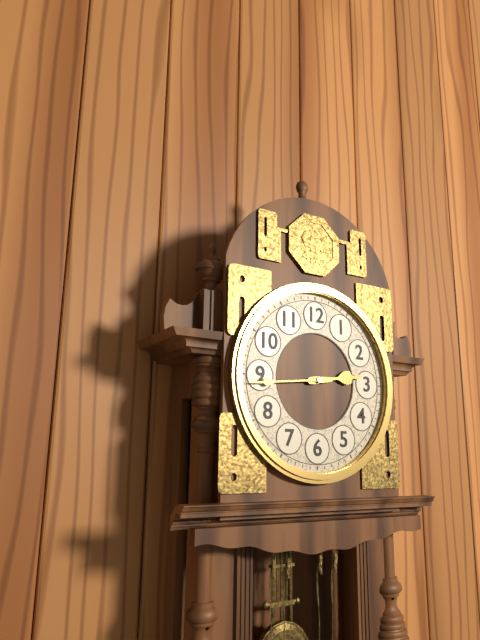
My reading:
2 h 44 min
